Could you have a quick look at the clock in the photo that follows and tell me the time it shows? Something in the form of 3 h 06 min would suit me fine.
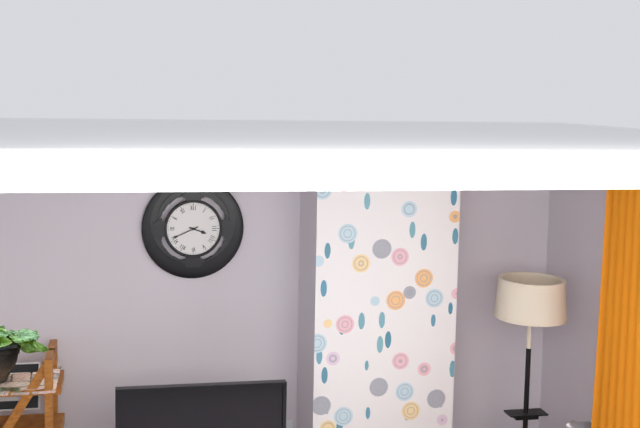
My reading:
3 h 41 min
